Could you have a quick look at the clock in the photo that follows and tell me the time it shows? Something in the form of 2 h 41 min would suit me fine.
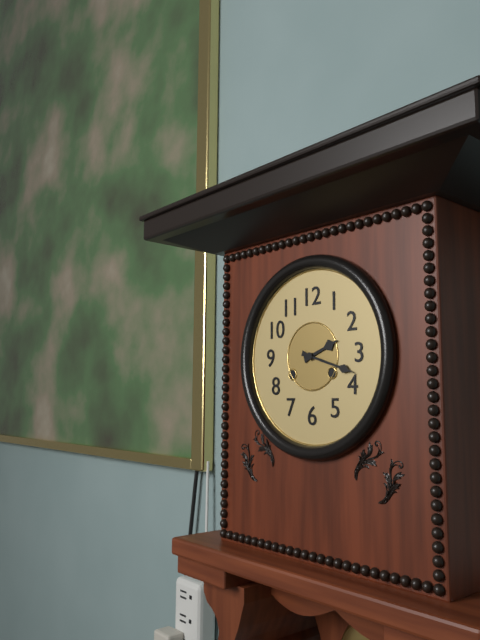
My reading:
2 h 18 min
